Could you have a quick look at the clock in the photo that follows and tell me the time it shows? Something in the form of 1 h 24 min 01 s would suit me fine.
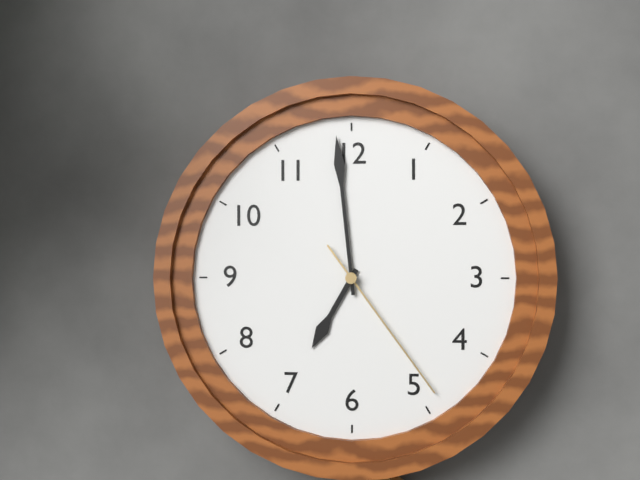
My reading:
6 h 59 min 24 s
